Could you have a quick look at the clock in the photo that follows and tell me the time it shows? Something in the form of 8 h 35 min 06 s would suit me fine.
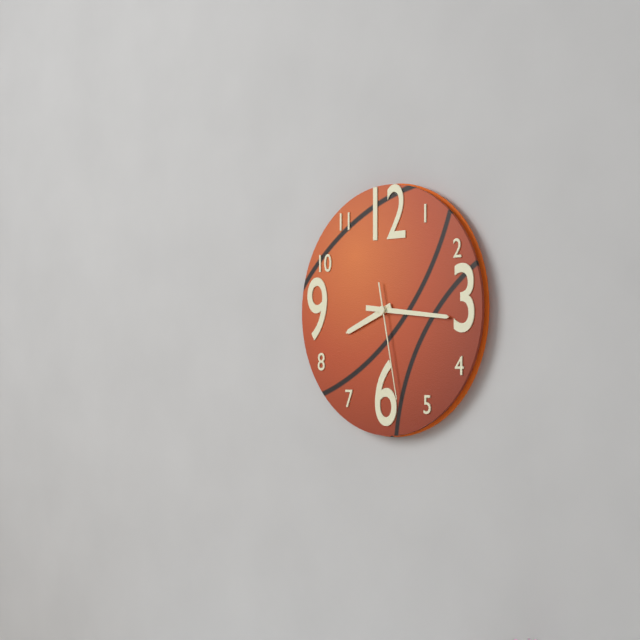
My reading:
8 h 16 min 28 s
